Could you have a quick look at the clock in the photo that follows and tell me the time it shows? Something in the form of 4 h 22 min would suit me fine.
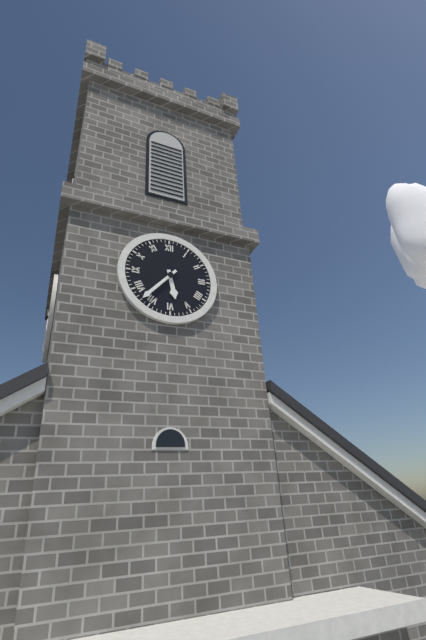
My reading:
5 h 37 min
